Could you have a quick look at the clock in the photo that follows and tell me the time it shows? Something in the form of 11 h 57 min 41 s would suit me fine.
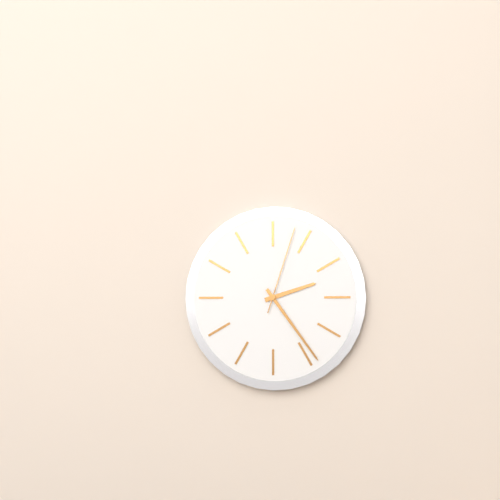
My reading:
2 h 24 min 03 s
